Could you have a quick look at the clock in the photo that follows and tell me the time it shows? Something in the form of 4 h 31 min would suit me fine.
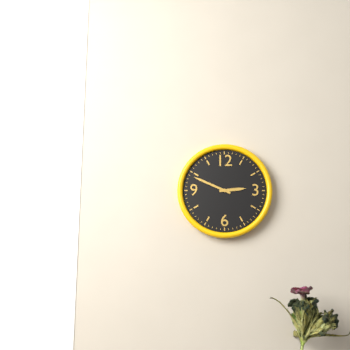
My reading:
2 h 49 min
